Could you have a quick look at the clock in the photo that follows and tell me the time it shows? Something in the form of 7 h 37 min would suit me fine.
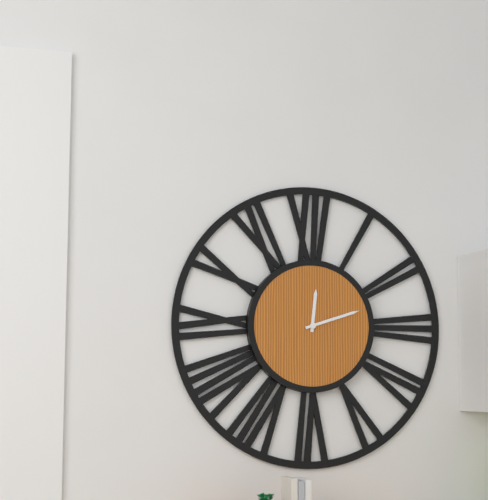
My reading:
12 h 12 min
